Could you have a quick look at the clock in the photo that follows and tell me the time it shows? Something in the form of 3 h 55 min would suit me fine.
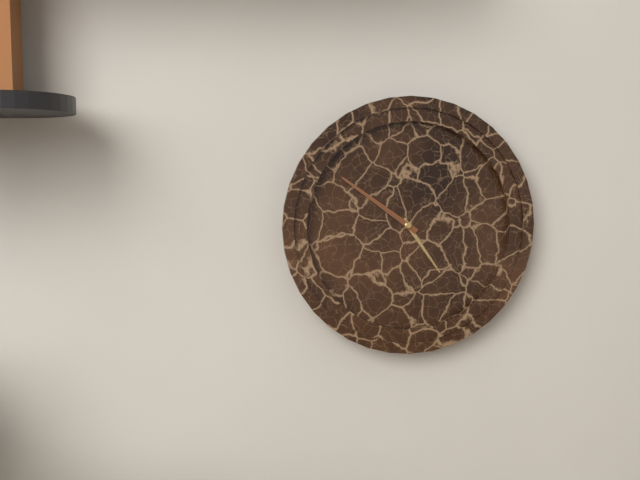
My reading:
4 h 51 min
